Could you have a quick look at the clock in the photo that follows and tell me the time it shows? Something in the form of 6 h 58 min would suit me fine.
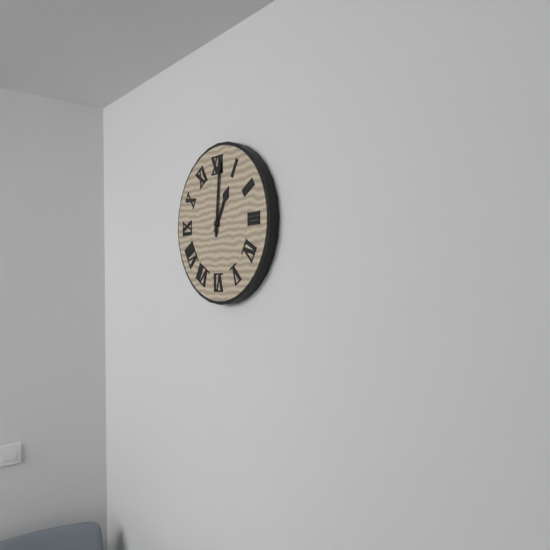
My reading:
1 h 01 min
